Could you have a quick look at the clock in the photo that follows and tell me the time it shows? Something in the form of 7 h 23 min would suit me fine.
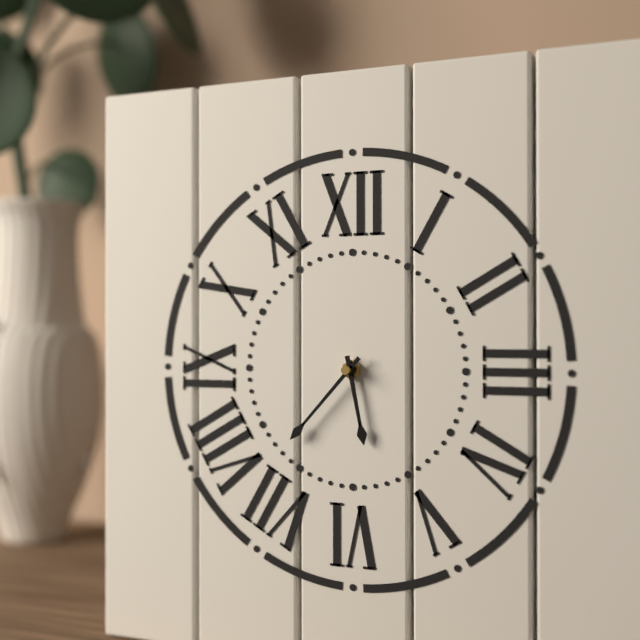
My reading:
5 h 37 min
